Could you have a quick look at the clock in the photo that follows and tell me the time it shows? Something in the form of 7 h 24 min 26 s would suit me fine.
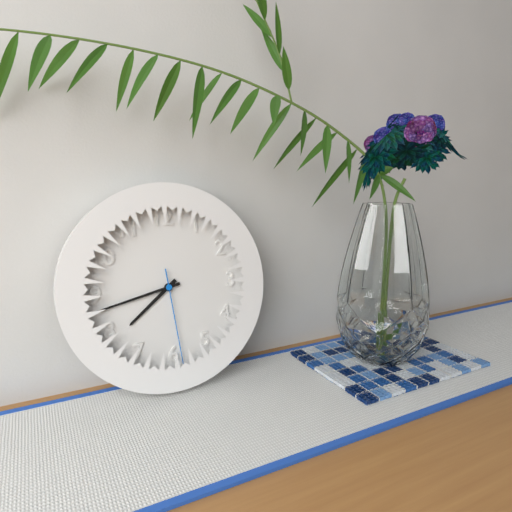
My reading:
7 h 43 min 29 s
